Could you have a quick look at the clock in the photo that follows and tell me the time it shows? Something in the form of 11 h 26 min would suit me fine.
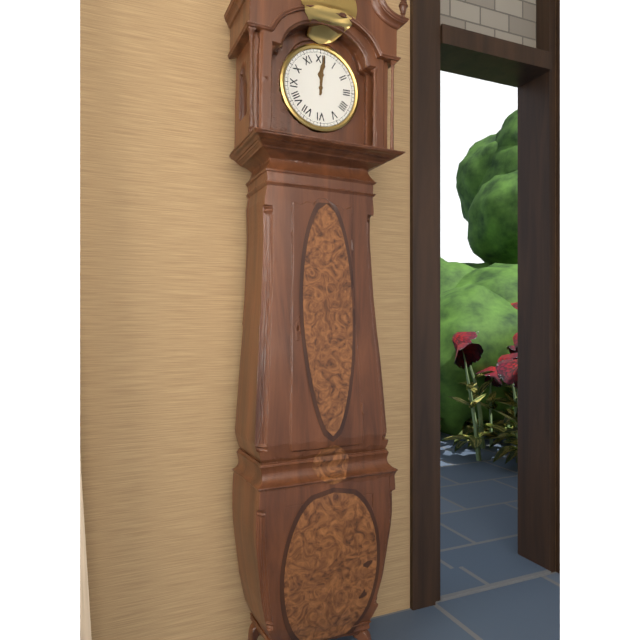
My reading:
12 h 01 min
